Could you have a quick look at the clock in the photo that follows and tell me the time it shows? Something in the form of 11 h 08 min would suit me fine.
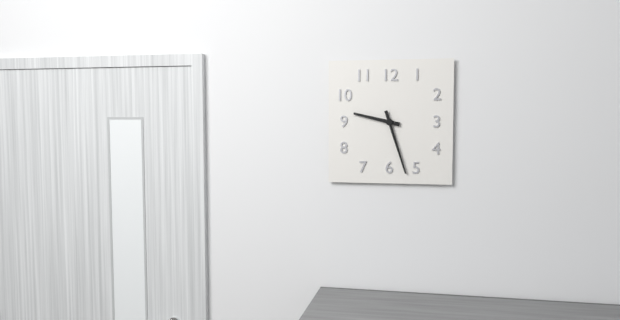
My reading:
9 h 27 min
